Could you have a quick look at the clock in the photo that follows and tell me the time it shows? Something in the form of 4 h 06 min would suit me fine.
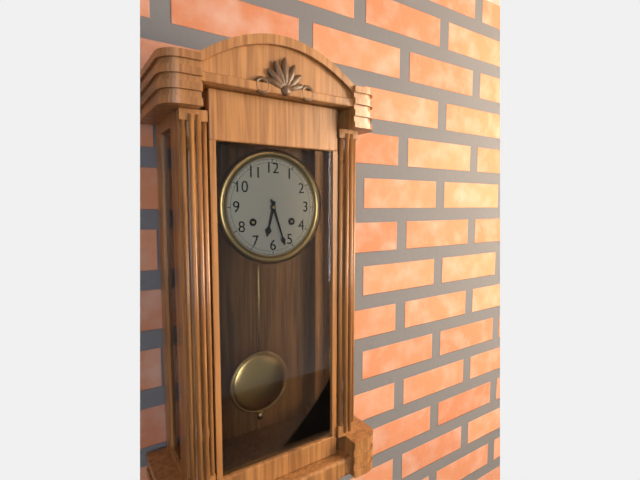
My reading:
6 h 27 min
